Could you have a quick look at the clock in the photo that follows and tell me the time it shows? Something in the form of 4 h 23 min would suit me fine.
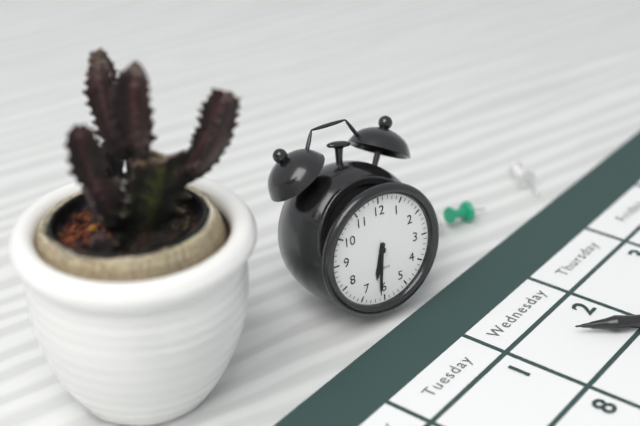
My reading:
6 h 31 min
